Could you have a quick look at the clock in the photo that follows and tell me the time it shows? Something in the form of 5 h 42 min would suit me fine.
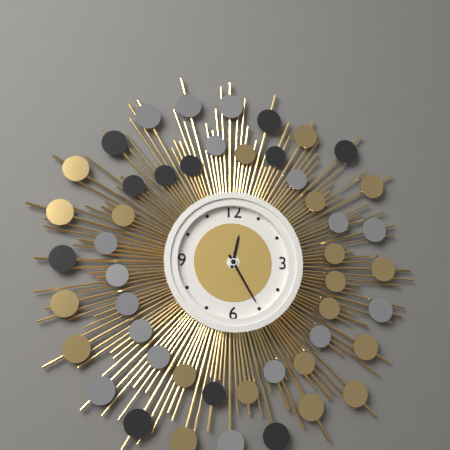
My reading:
12 h 25 min
